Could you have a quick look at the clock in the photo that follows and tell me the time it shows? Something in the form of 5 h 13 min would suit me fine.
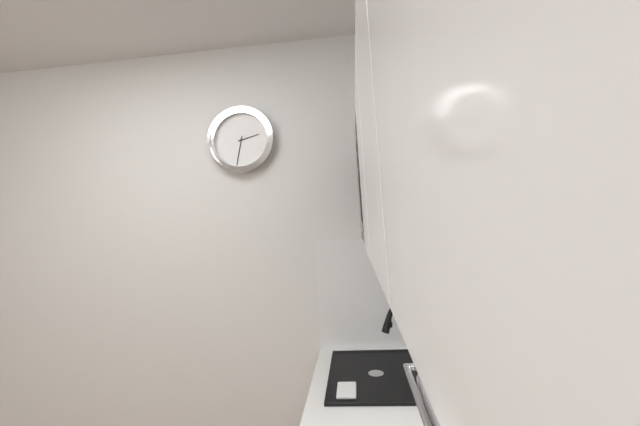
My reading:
2 h 32 min
